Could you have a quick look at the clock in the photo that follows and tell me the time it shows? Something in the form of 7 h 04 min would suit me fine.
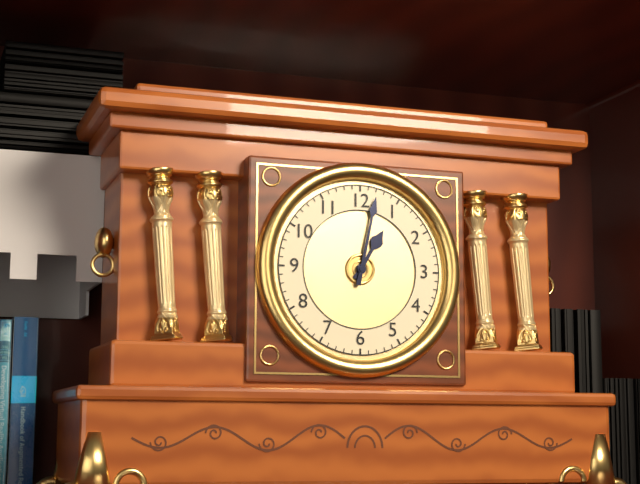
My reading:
1 h 02 min
